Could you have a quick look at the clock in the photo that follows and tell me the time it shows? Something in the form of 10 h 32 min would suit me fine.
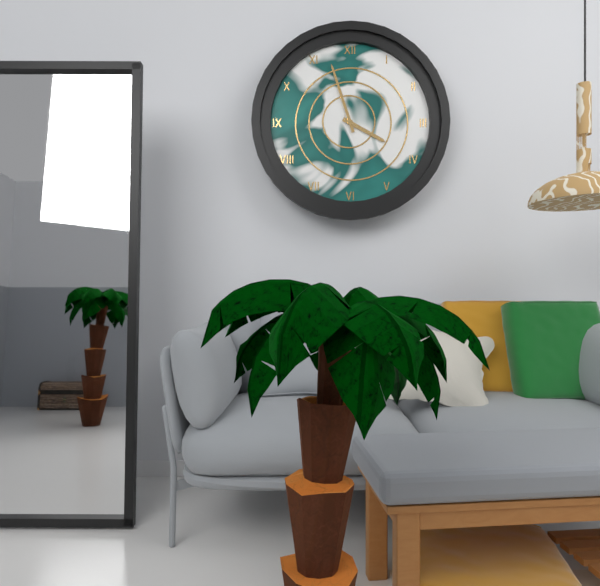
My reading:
3 h 57 min
